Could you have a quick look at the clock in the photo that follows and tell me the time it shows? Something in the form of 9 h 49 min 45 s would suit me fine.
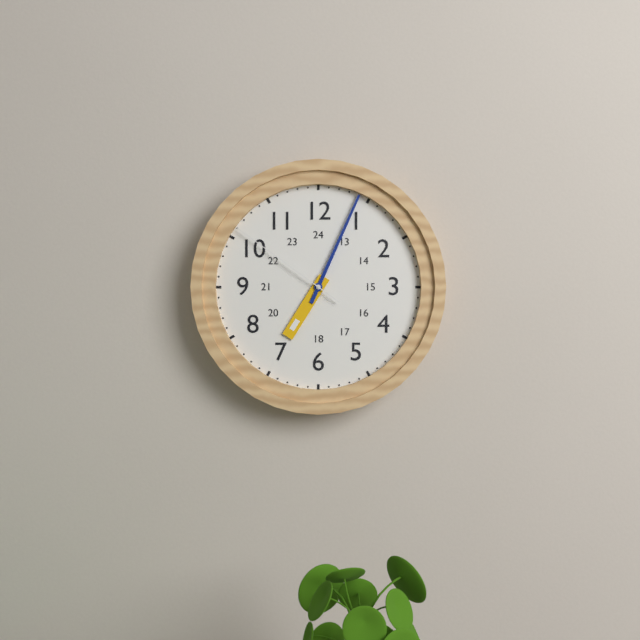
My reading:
7 h 04 min 51 s
